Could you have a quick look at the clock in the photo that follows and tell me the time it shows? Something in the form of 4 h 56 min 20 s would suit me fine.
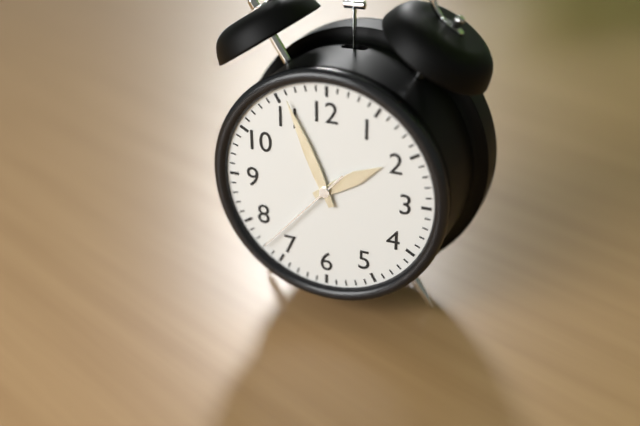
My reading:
1 h 56 min 37 s
